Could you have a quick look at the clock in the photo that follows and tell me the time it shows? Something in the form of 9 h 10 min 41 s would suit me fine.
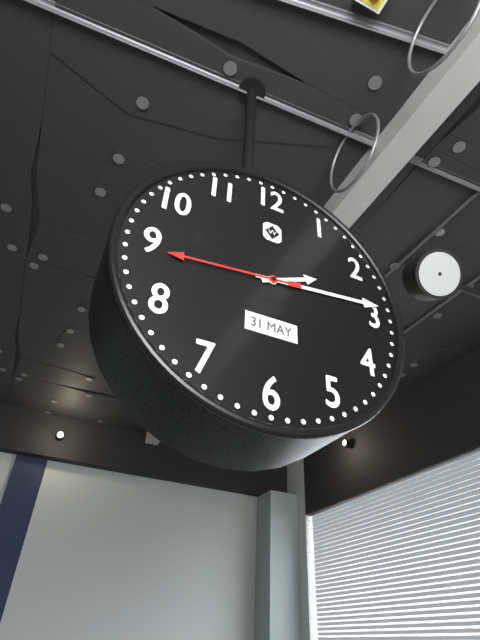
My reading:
2 h 14 min 44 s
